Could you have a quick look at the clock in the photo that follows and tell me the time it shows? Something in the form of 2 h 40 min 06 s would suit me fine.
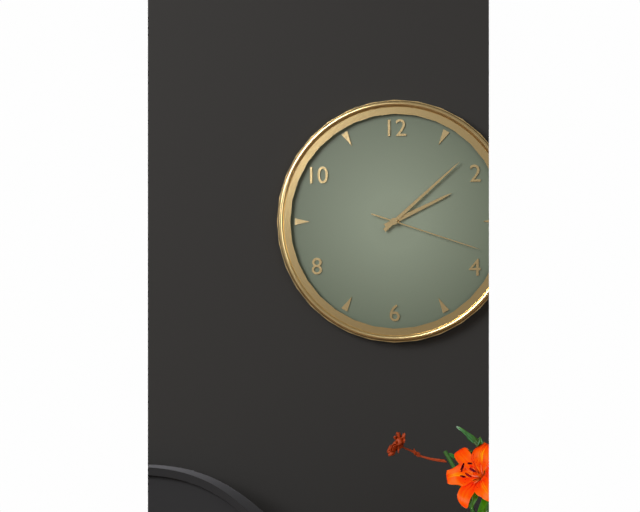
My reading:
2 h 08 min 18 s
